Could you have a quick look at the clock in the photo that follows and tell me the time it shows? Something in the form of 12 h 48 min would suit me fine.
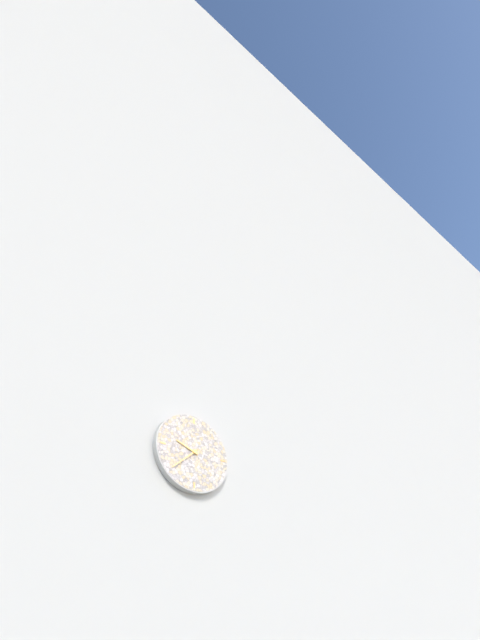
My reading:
9 h 38 min
